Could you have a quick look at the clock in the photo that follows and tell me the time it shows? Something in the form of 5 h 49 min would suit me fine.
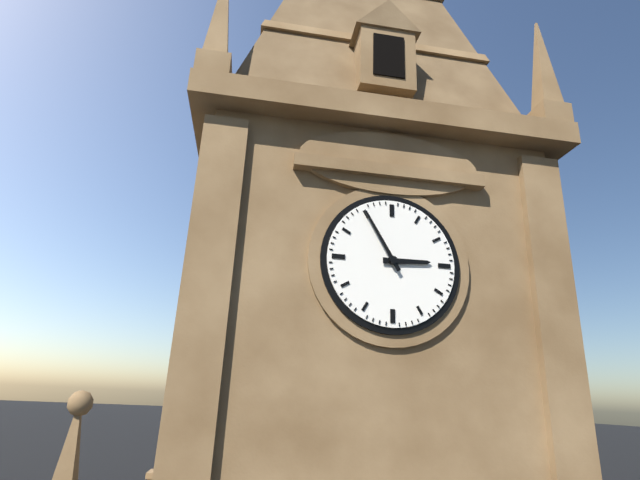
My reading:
2 h 55 min
